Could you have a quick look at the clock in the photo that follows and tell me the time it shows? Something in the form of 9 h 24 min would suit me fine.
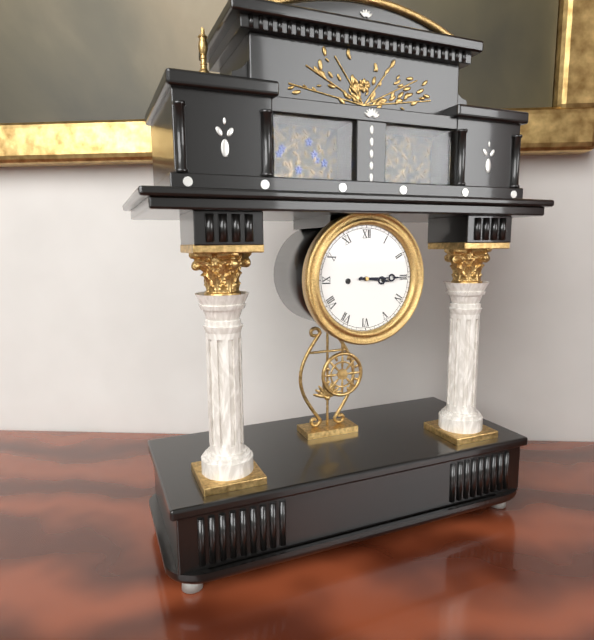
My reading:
3 h 15 min
